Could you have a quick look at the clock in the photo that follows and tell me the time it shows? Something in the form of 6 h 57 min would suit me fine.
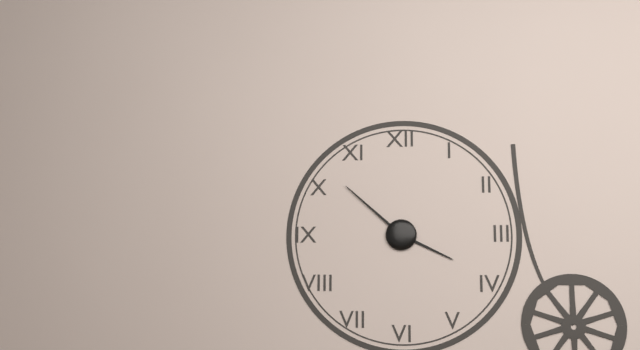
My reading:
3 h 52 min
